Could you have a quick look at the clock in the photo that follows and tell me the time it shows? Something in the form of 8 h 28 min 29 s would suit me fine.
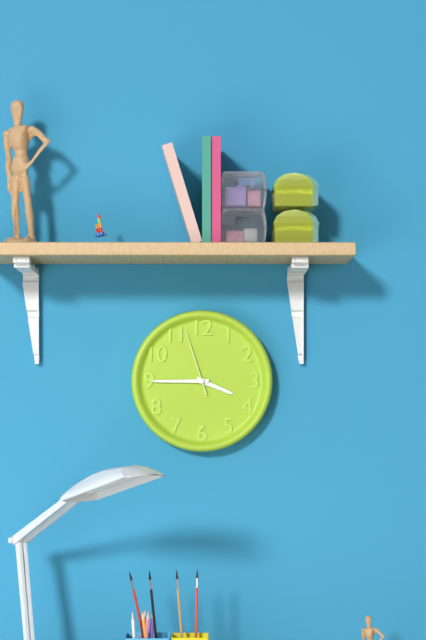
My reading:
3 h 45 min 57 s
